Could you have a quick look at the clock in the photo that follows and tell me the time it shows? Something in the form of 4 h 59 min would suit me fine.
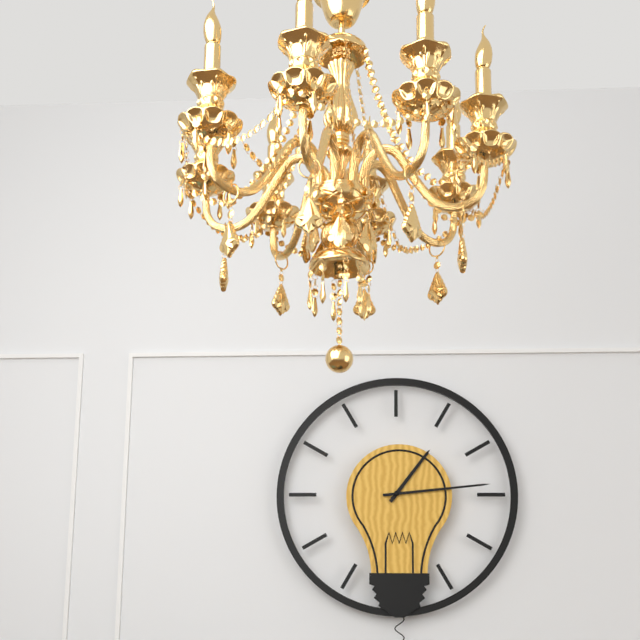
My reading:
1 h 14 min
